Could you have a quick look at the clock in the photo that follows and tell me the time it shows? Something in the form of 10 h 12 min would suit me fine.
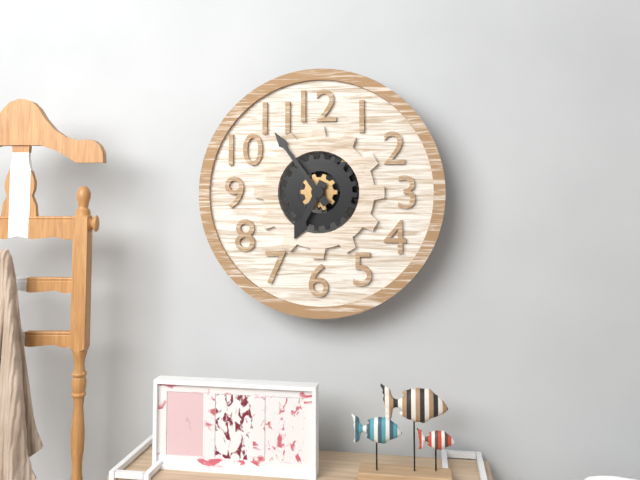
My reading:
6 h 54 min
